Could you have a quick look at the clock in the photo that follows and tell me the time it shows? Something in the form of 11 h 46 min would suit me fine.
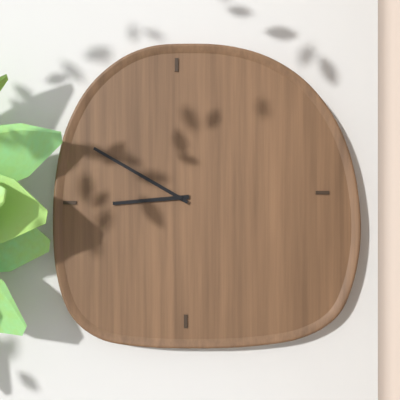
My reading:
8 h 50 min
